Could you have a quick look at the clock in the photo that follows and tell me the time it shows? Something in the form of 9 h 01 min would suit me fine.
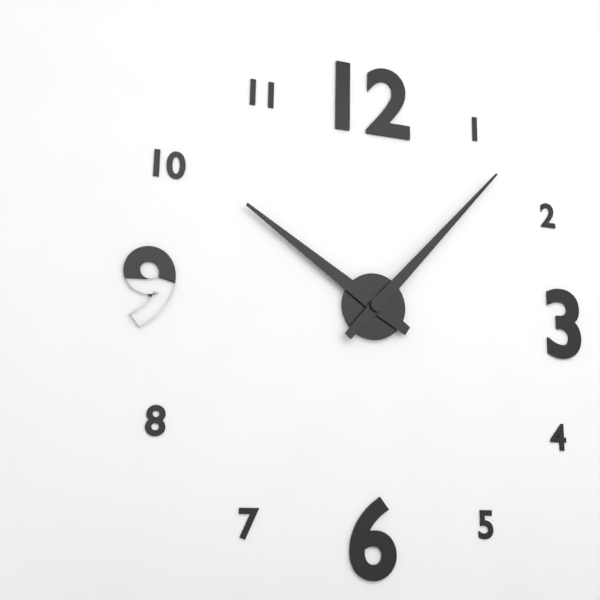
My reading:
10 h 07 min
